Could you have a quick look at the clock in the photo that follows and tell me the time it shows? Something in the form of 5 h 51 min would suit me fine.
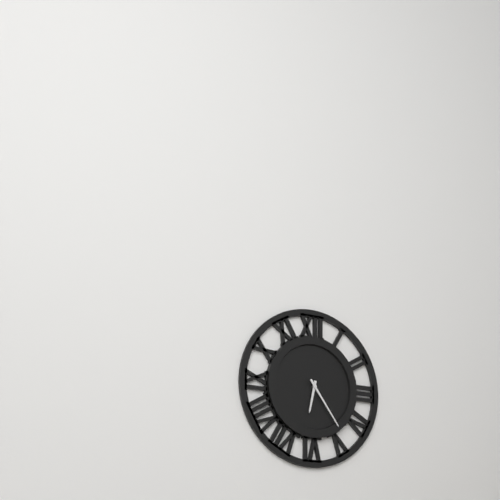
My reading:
6 h 24 min
